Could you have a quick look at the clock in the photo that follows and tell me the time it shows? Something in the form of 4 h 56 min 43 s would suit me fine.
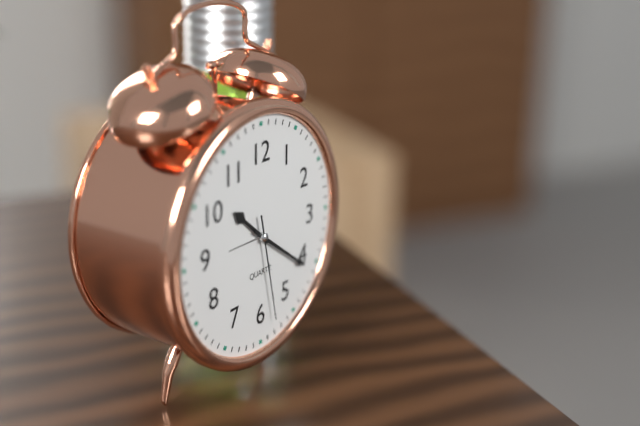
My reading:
10 h 21 min 28 s
